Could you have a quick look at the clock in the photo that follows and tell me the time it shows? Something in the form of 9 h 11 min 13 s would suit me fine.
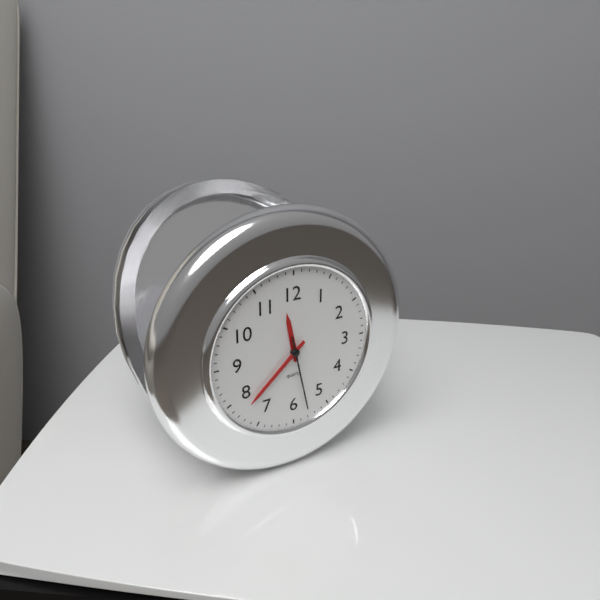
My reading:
11 h 38 min 28 s
